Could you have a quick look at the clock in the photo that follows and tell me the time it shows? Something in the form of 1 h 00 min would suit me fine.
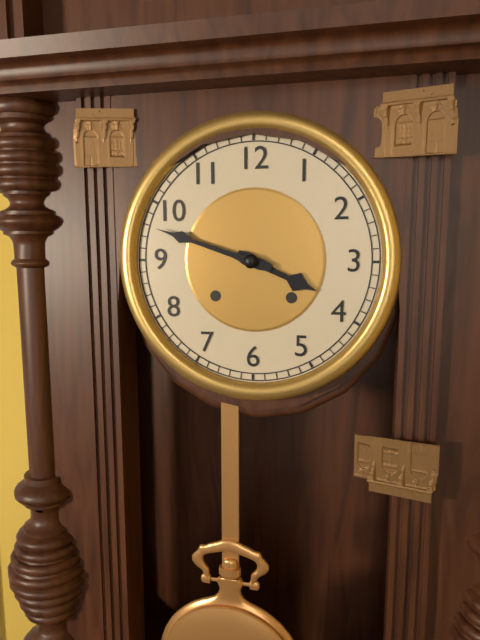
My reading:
3 h 48 min
